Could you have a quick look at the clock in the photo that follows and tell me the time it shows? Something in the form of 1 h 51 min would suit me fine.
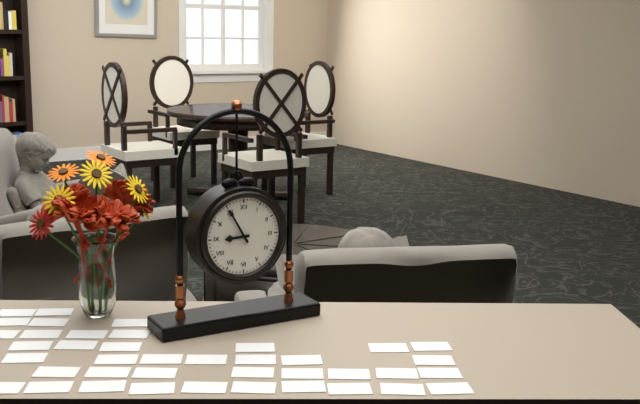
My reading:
8 h 55 min
